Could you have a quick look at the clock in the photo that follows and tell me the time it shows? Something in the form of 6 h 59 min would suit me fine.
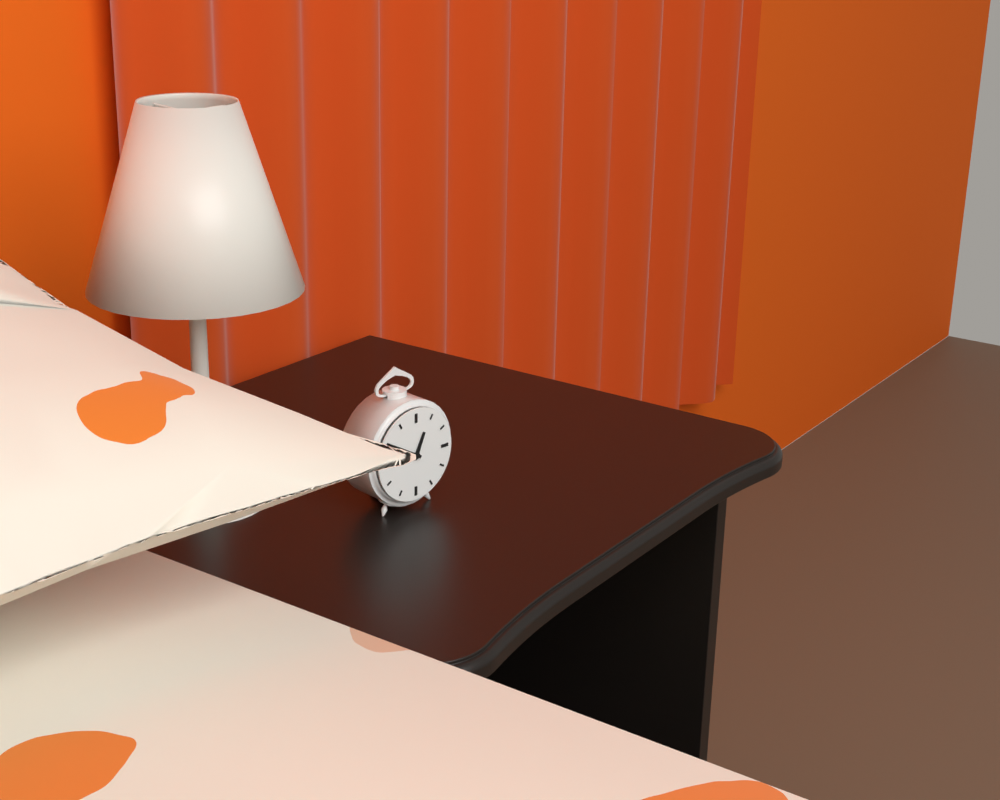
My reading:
12 h 50 min
